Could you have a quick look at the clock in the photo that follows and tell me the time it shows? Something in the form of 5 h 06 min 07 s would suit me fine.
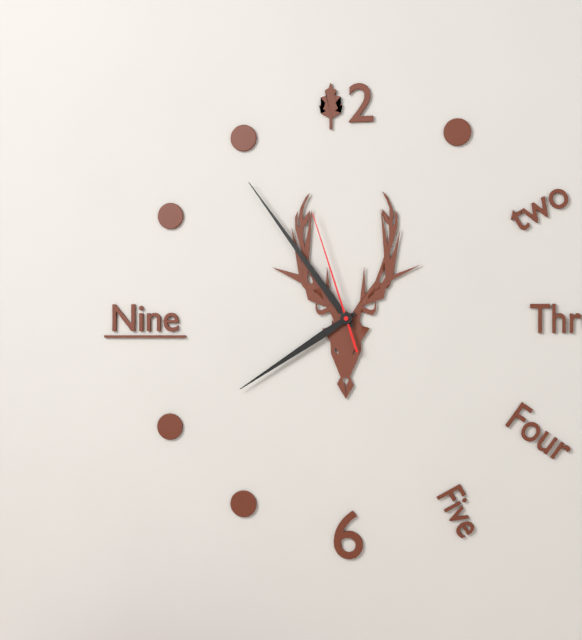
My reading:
7 h 54 min 57 s
